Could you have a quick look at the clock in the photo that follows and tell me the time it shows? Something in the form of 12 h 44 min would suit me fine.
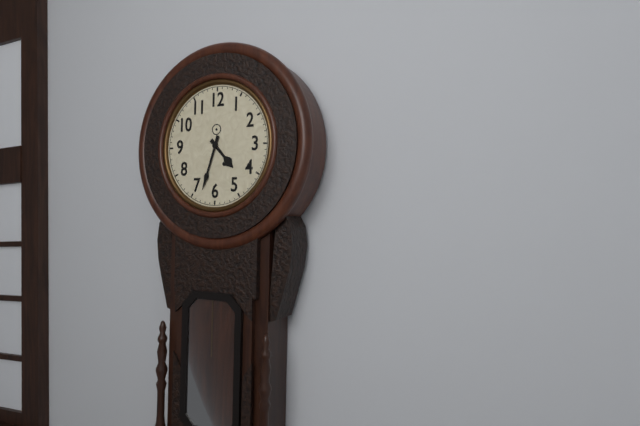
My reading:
4 h 33 min
